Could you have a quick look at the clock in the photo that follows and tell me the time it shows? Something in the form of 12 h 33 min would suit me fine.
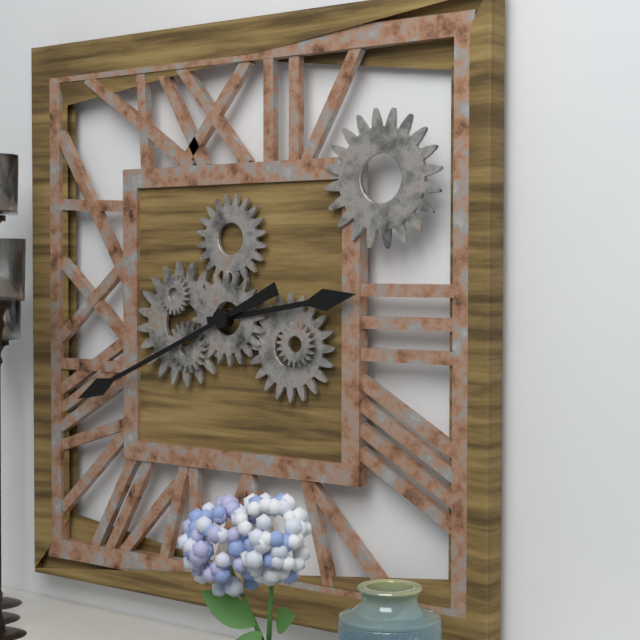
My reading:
2 h 41 min
